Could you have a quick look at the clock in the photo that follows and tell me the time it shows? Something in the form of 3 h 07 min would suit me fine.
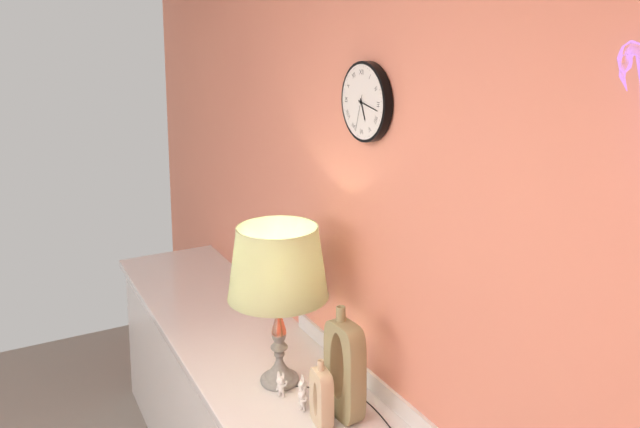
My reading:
5 h 17 min
